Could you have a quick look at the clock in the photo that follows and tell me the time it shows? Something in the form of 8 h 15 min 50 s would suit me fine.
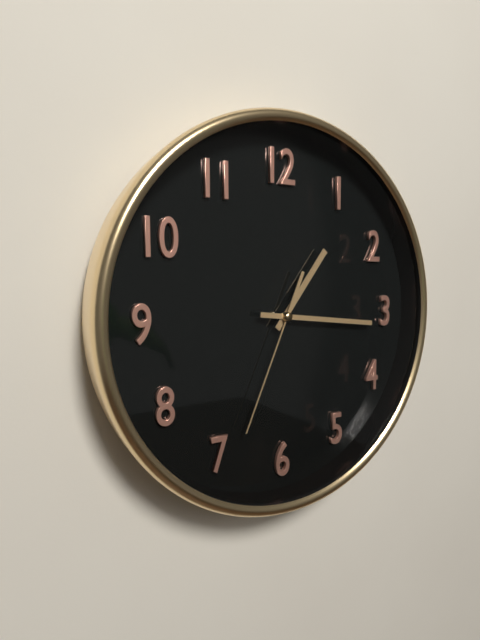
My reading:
1 h 16 min 34 s
